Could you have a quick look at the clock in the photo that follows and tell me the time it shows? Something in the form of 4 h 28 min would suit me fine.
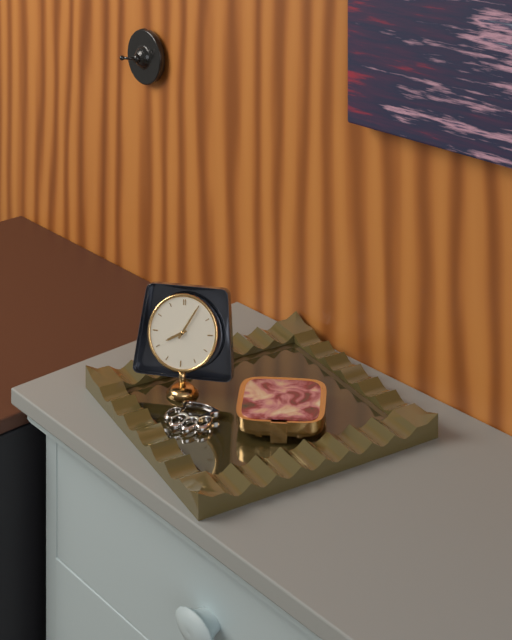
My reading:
8 h 05 min
